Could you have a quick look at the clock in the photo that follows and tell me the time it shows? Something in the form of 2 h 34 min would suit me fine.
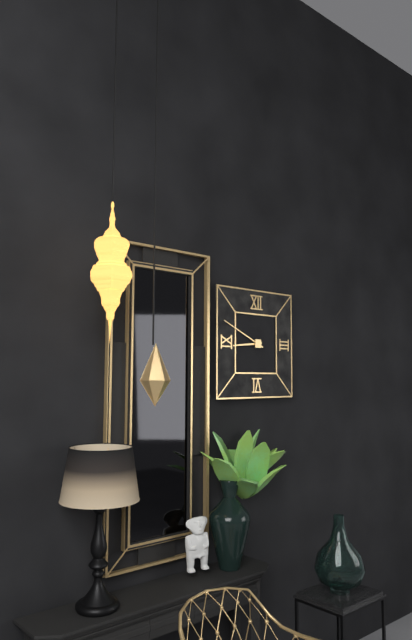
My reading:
8 h 49 min
